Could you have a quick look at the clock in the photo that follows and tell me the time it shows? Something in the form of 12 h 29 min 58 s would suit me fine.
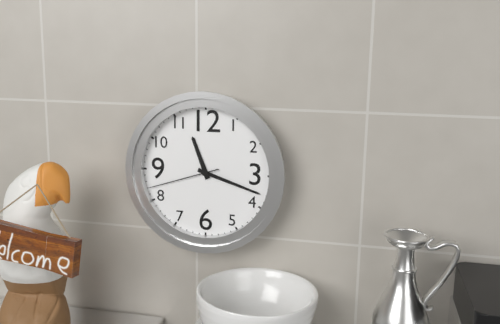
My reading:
11 h 18 min 42 s
